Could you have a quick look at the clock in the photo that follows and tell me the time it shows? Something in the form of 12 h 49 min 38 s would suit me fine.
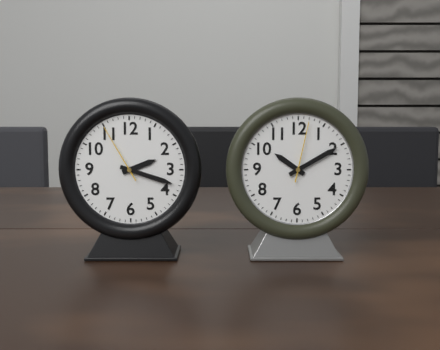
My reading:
2 h 18 min 55 s
